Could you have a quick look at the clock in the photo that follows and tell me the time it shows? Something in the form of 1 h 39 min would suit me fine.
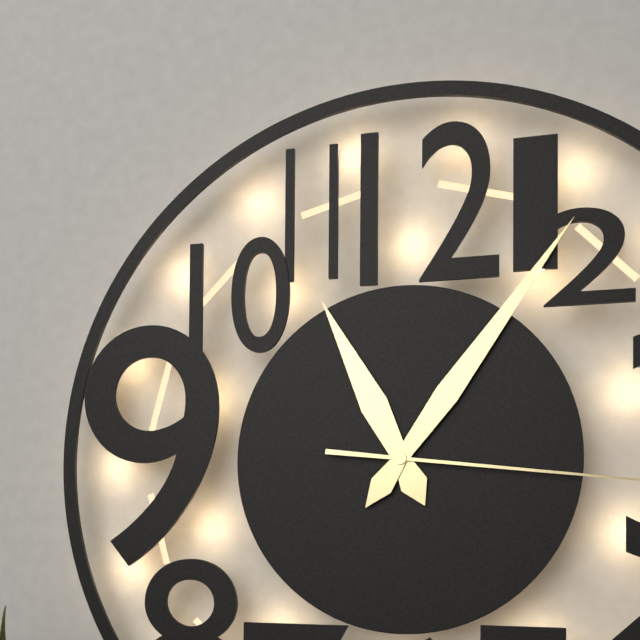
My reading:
11 h 06 min
